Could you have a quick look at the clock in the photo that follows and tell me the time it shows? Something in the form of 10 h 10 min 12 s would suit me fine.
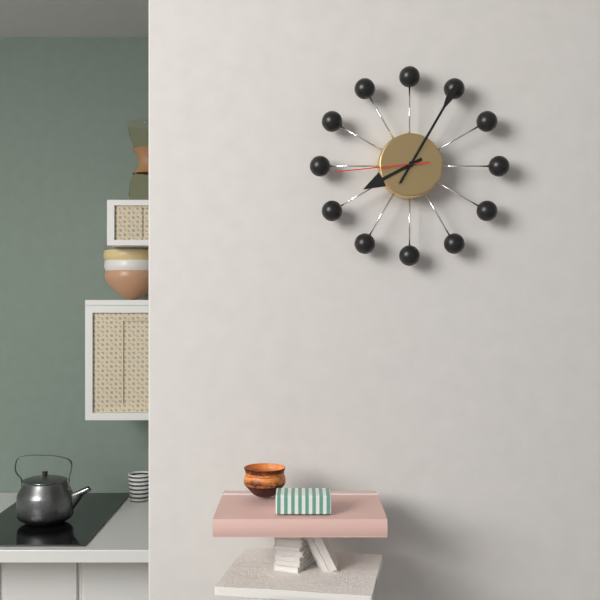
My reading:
8 h 05 min 44 s
